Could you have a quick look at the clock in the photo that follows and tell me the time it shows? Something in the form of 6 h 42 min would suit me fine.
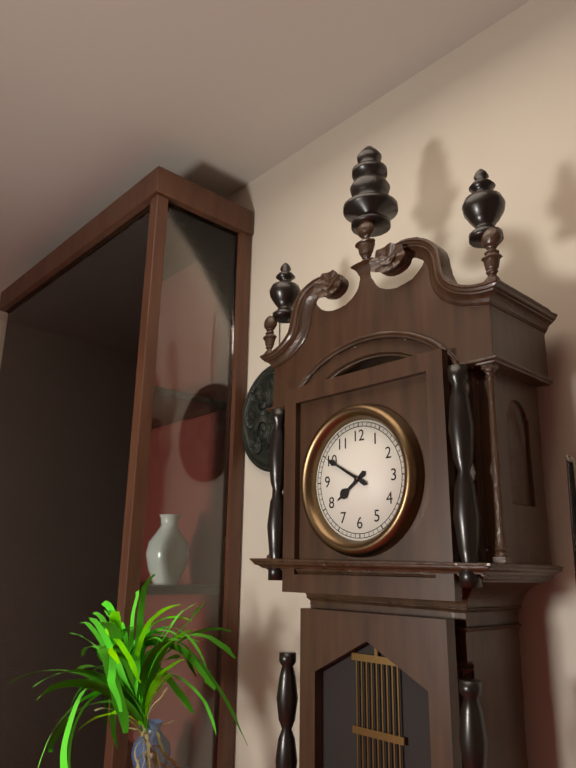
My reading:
7 h 50 min
